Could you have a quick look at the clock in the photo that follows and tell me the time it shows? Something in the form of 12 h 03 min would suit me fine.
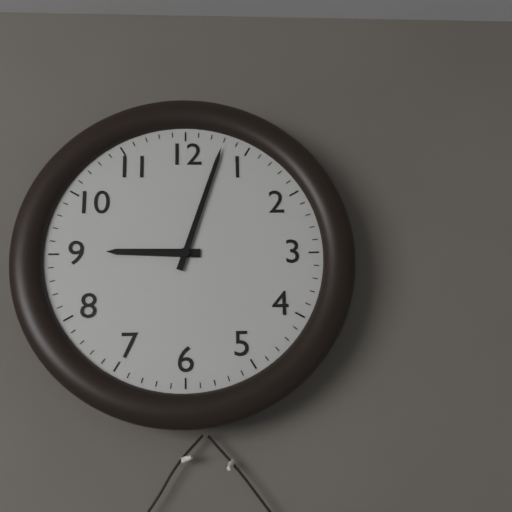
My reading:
9 h 03 min
